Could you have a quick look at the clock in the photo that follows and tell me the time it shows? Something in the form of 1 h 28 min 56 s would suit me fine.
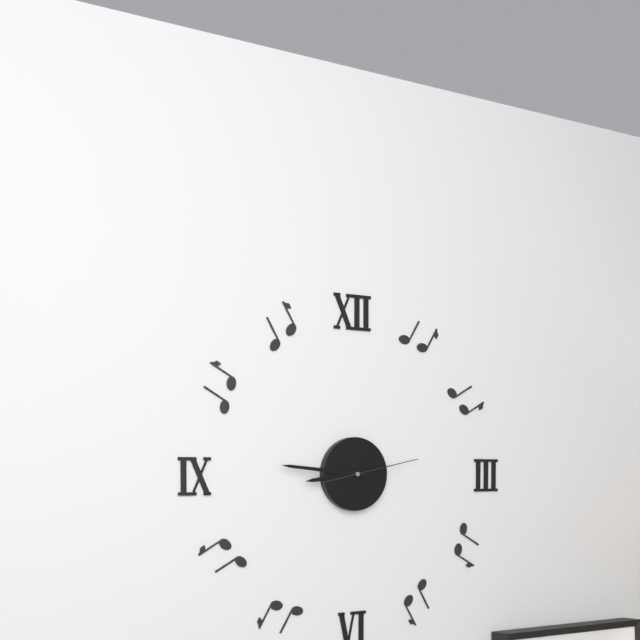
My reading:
8 h 46 min 13 s
